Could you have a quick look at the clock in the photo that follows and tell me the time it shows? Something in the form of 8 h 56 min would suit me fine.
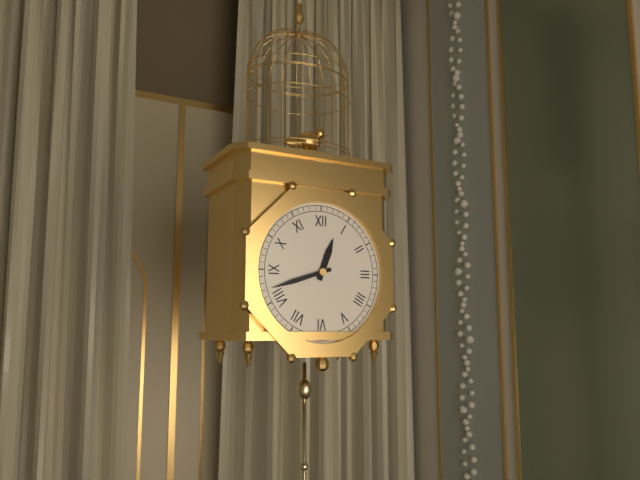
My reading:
12 h 42 min
